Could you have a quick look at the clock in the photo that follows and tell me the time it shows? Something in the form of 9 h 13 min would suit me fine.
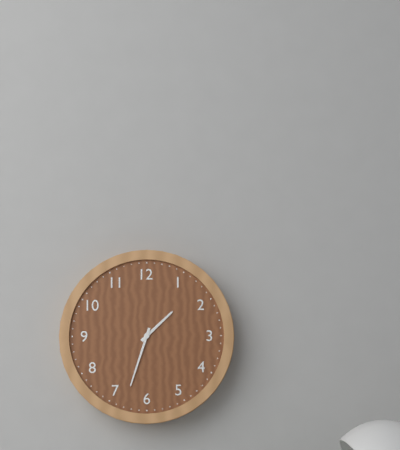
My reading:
1 h 33 min
